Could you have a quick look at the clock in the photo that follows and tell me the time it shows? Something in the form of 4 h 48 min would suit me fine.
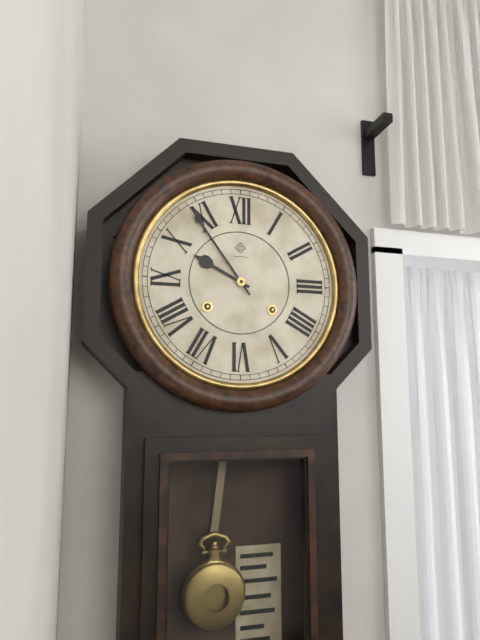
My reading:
9 h 54 min
